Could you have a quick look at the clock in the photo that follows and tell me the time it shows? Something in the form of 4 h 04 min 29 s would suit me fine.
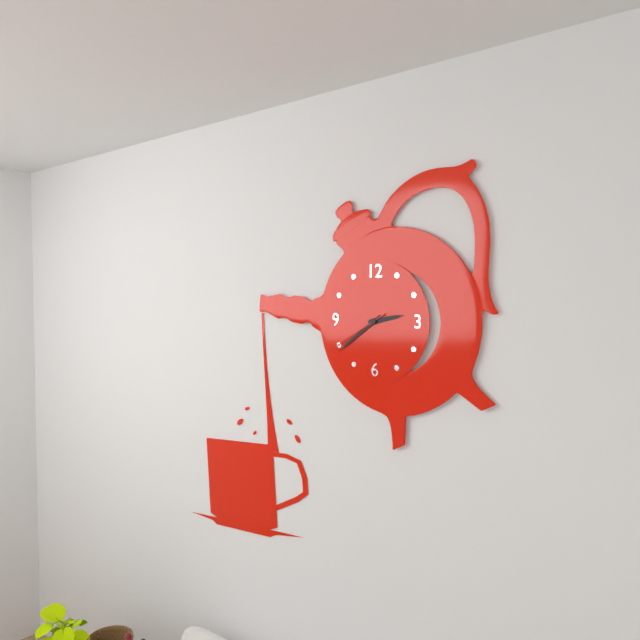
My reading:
2 h 39 min 40 s
